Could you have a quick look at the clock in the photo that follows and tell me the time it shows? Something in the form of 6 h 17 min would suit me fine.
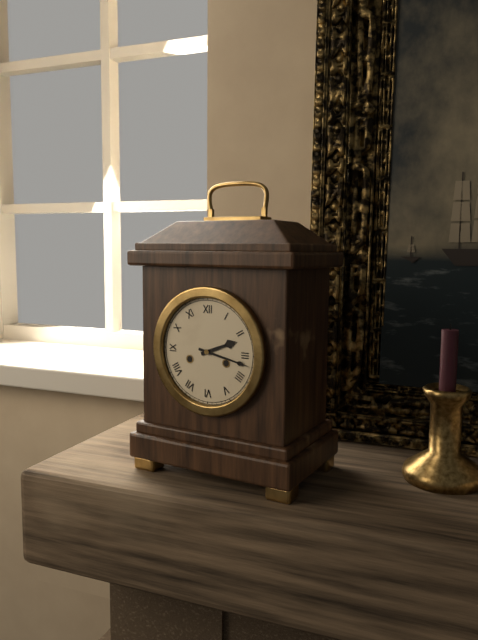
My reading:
2 h 17 min
